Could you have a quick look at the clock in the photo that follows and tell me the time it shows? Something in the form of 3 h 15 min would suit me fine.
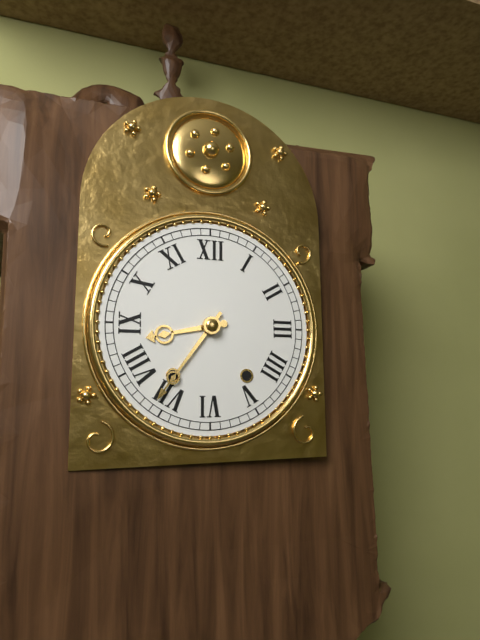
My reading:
8 h 36 min
